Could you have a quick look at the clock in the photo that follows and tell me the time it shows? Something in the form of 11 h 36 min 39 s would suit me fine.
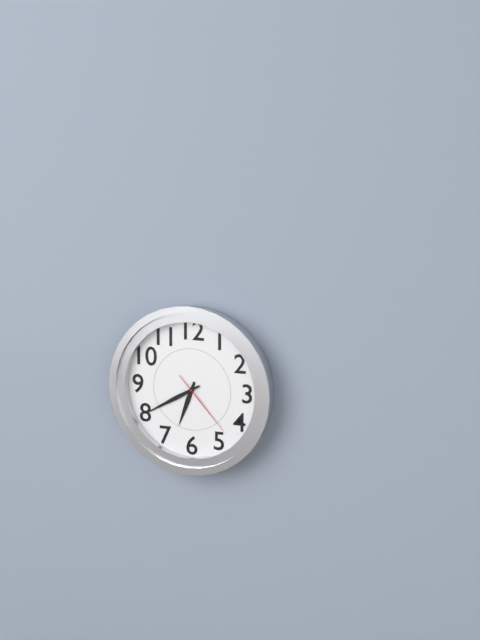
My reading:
6 h 40 min 23 s
